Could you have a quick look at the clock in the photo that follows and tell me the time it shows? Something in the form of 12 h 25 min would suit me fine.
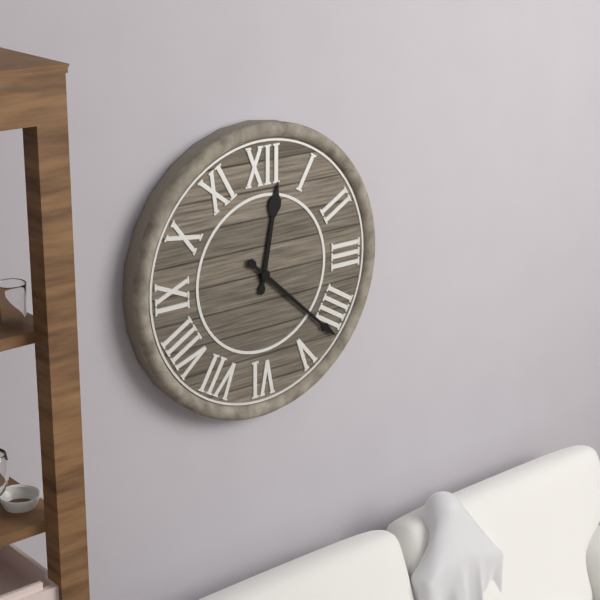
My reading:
12 h 22 min
